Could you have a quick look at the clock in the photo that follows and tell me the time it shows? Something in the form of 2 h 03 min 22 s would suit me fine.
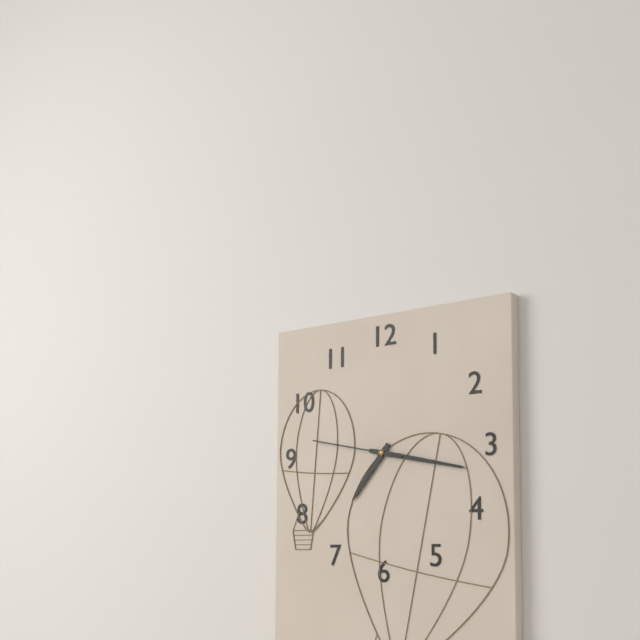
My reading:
7 h 17 min 47 s
